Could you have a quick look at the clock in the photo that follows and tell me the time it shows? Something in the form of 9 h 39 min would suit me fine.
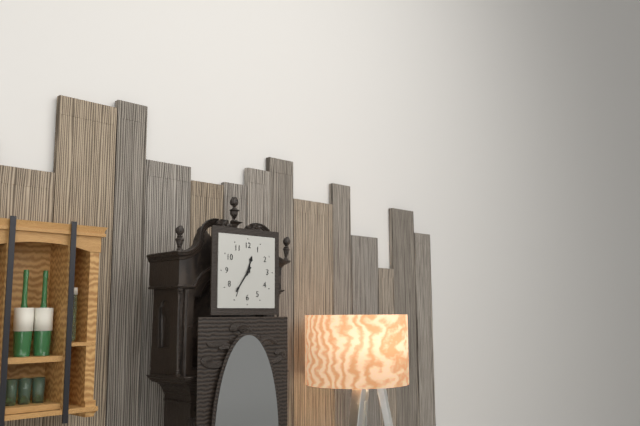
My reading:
12 h 36 min
